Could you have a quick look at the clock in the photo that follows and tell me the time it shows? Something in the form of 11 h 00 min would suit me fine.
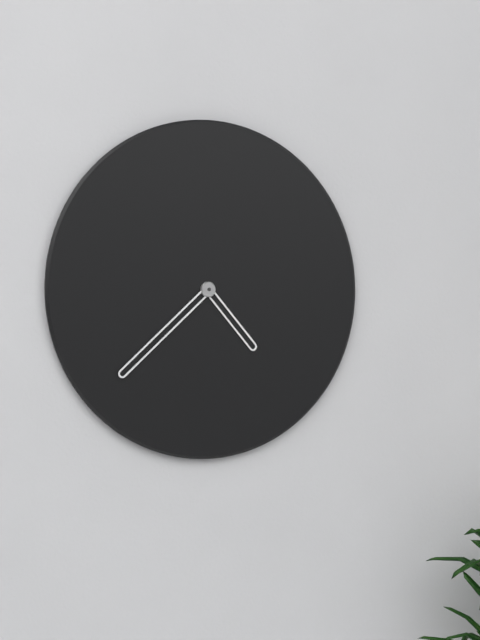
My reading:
4 h 38 min
